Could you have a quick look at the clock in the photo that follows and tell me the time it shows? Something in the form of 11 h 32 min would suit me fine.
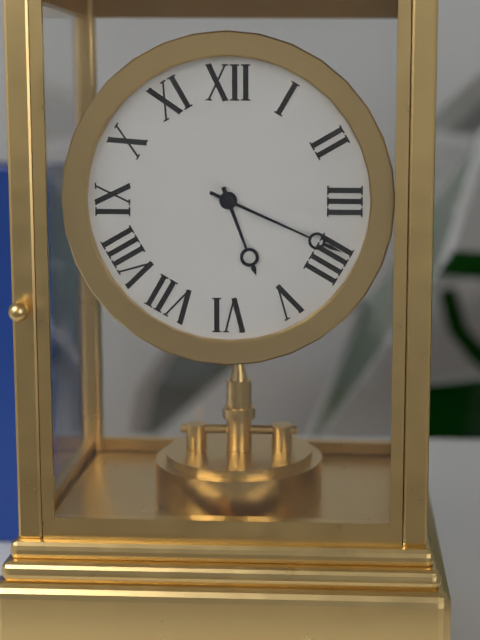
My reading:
5 h 19 min
